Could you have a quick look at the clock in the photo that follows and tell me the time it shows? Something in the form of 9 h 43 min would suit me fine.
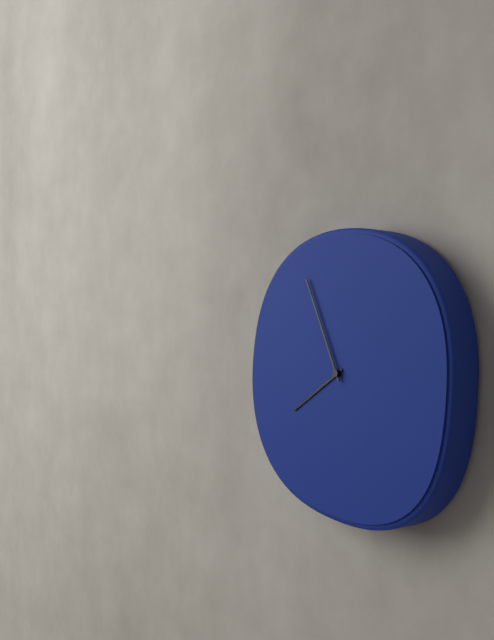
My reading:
7 h 56 min
